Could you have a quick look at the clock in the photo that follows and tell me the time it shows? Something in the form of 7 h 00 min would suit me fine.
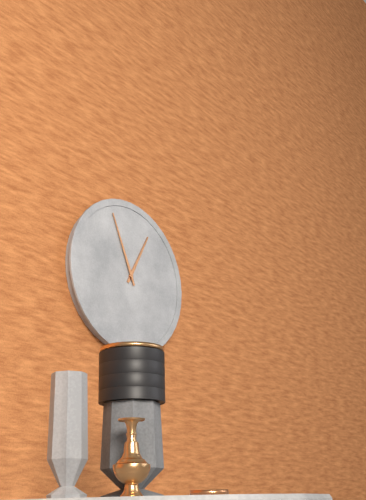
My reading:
12 h 56 min
